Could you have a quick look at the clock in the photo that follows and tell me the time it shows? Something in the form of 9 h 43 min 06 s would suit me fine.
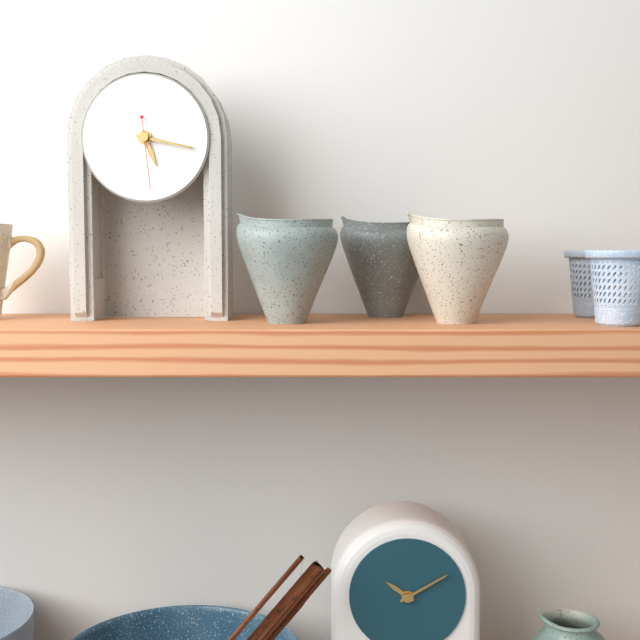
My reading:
5 h 17 min 29 s
